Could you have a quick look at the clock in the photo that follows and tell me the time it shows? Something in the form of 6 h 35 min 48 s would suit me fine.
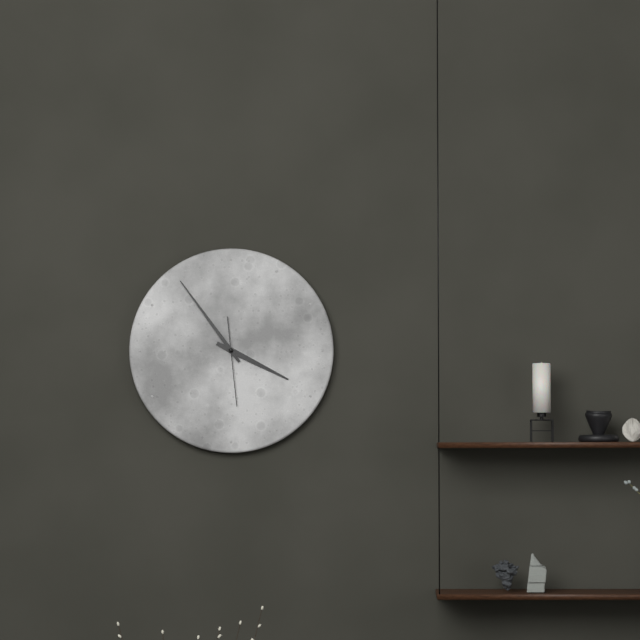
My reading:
3 h 54 min 29 s
